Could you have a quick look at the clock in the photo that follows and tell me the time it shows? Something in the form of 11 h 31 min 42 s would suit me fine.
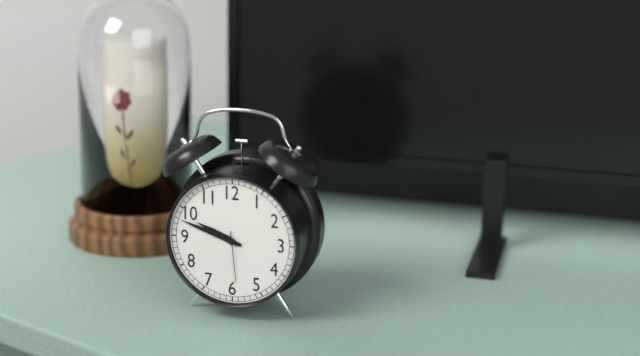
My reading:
9 h 48 min 29 s
